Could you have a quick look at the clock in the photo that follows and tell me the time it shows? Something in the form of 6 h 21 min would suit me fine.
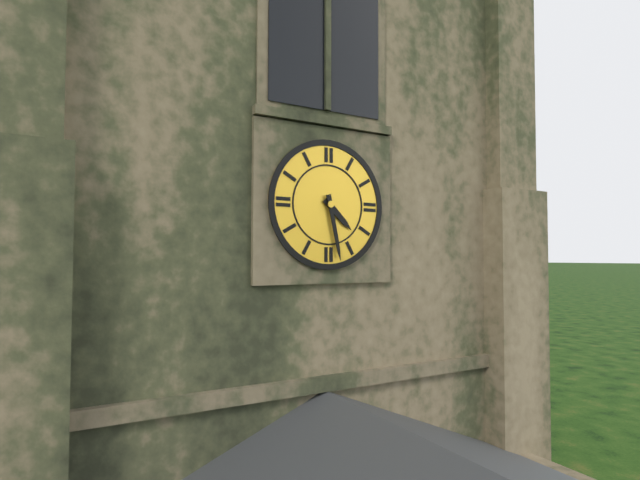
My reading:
4 h 28 min
